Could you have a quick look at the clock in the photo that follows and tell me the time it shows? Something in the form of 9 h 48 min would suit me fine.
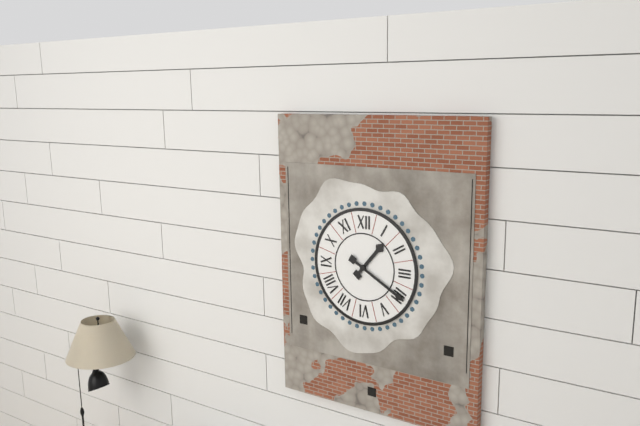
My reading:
1 h 20 min
